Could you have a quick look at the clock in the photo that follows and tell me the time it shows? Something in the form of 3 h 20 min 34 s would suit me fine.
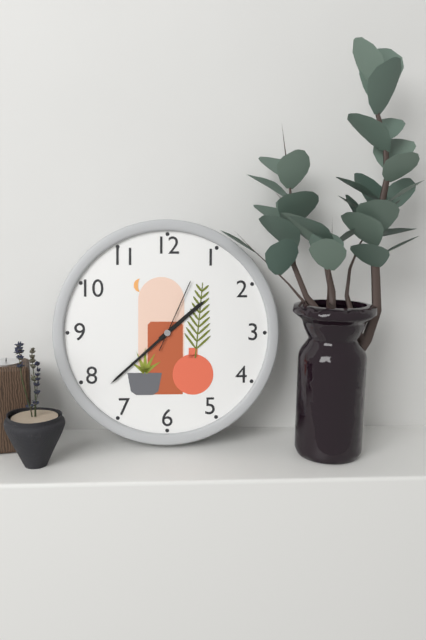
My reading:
1 h 38 min 04 s
